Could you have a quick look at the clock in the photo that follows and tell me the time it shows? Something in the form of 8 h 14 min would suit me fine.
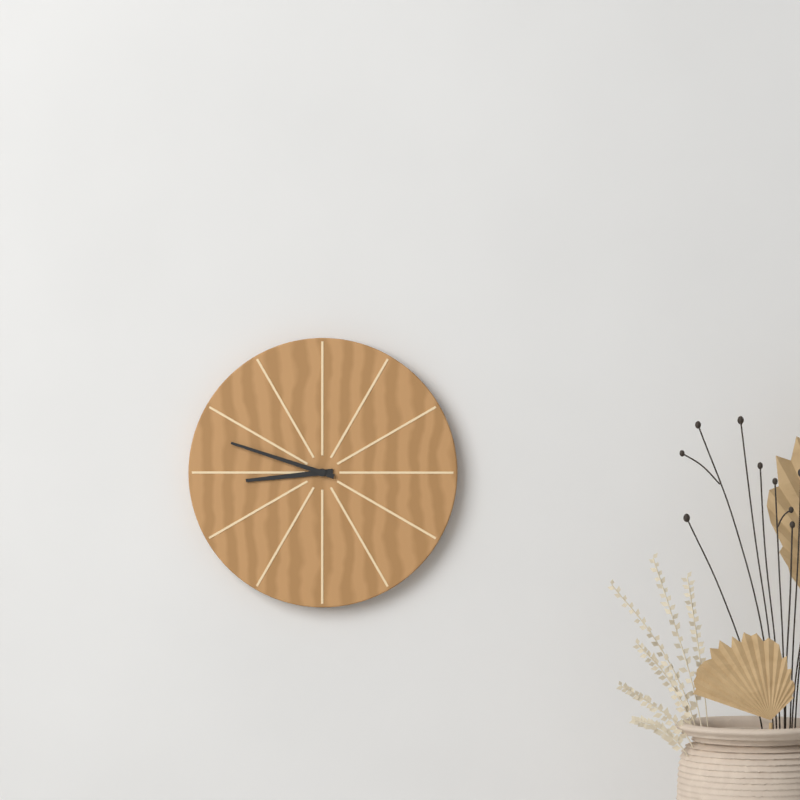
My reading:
8 h 48 min
